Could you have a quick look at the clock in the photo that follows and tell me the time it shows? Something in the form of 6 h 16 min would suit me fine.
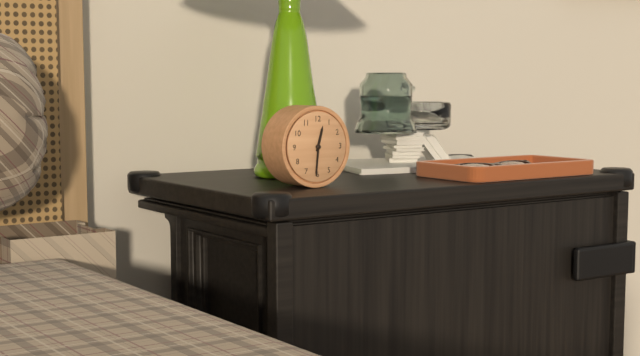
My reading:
12 h 31 min
